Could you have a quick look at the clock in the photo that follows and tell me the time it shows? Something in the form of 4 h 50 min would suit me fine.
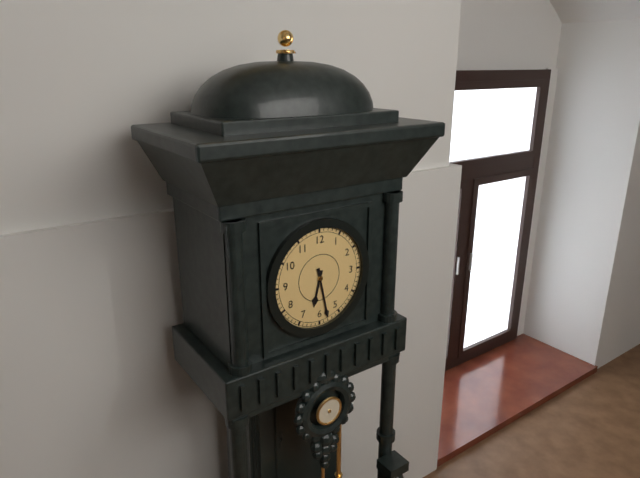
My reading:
6 h 28 min
